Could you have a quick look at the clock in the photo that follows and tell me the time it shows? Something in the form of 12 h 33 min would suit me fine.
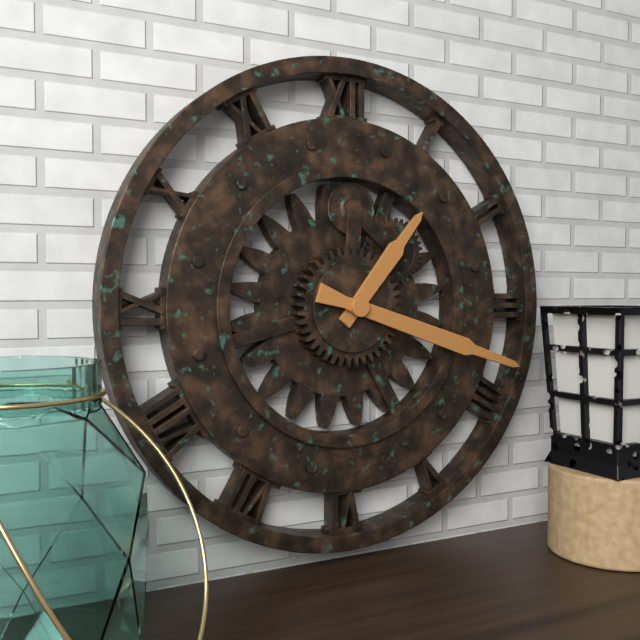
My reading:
1 h 18 min
